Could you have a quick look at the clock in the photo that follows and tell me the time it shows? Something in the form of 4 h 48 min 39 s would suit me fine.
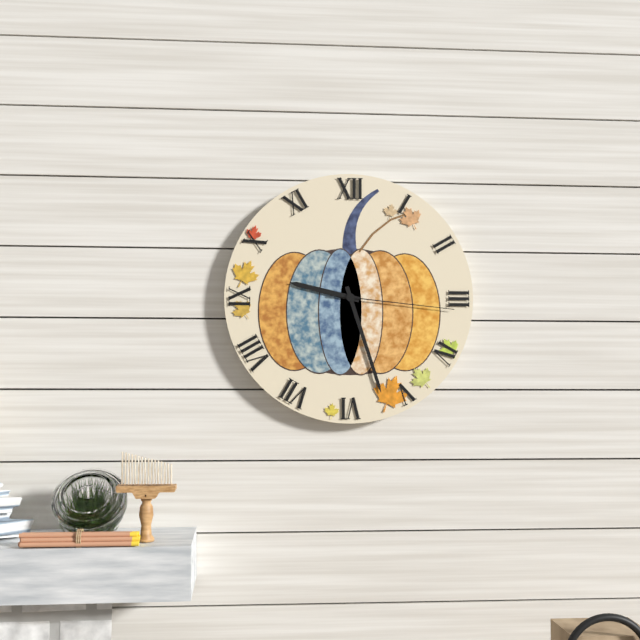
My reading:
9 h 27 min 16 s
